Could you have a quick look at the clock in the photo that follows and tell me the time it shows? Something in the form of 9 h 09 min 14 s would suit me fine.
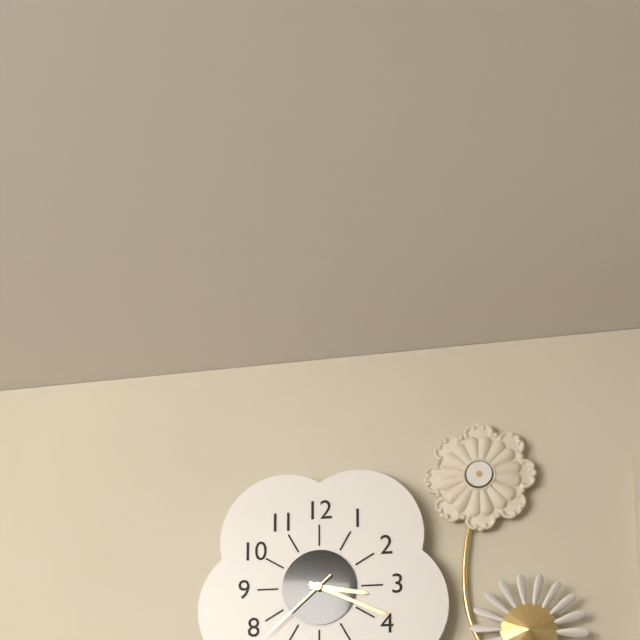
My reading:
3 h 19 min 38 s
